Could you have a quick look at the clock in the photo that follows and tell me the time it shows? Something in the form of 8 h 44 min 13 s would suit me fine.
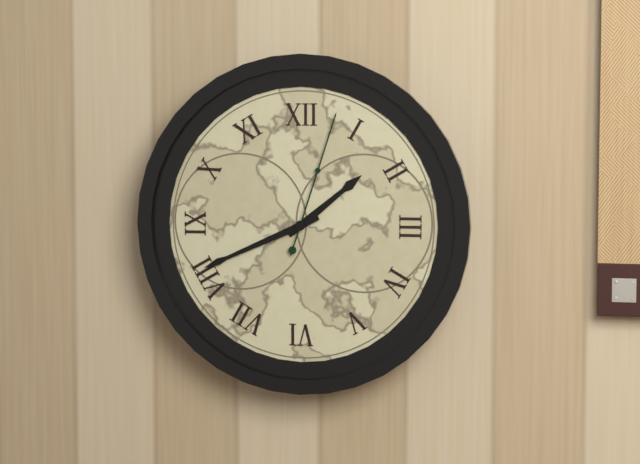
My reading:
1 h 41 min 03 s
